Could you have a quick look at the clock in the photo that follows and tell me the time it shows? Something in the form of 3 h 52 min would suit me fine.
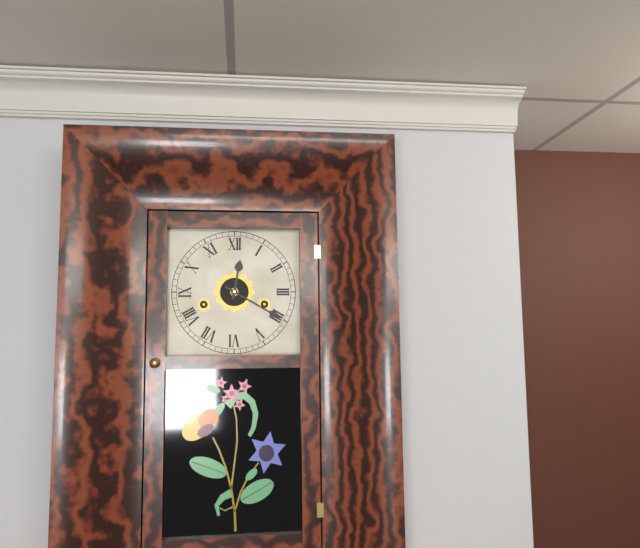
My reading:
12 h 20 min
